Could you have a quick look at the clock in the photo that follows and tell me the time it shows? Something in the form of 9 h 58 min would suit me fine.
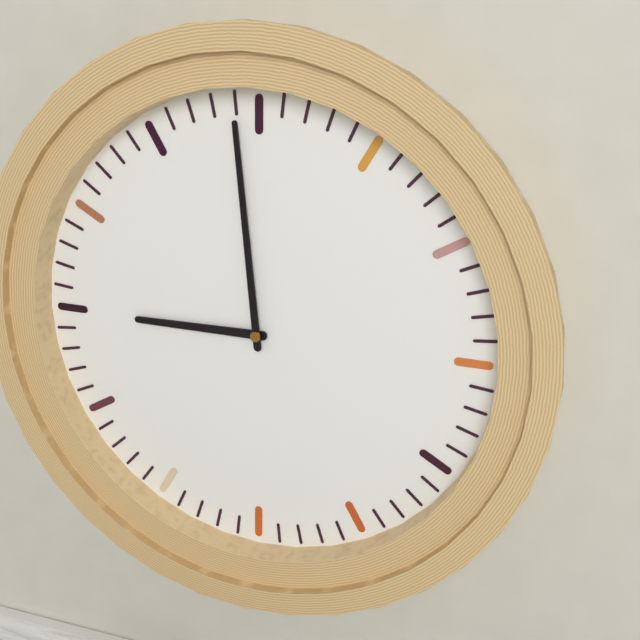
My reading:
8 h 59 min
